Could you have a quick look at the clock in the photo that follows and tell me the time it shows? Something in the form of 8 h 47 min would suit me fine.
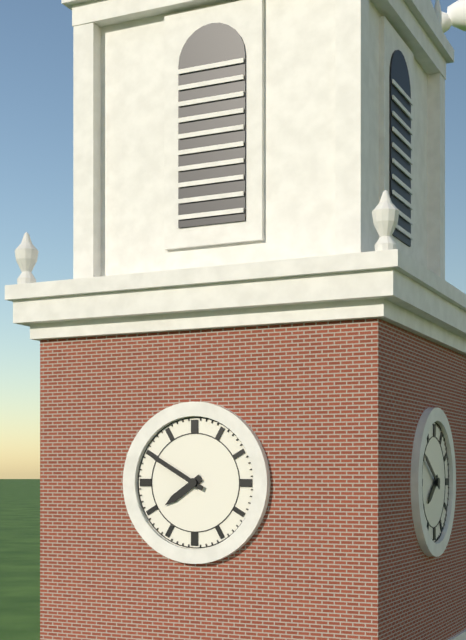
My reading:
7 h 50 min
